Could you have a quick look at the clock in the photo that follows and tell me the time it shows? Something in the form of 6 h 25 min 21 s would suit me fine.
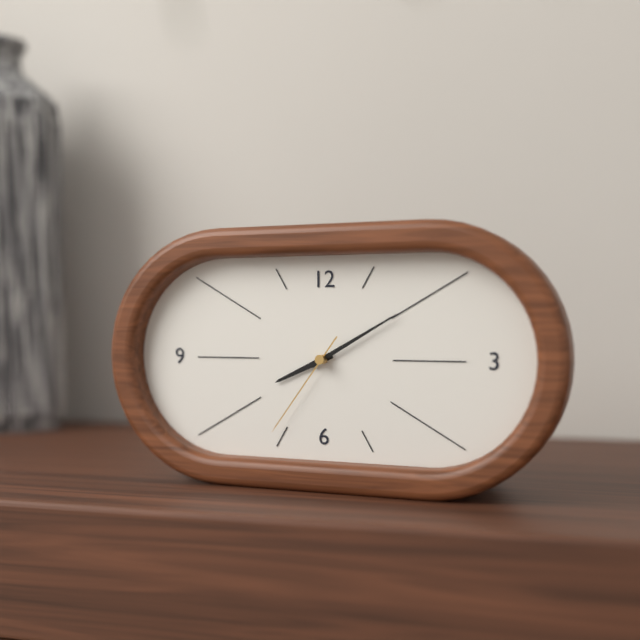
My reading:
8 h 10 min 36 s
